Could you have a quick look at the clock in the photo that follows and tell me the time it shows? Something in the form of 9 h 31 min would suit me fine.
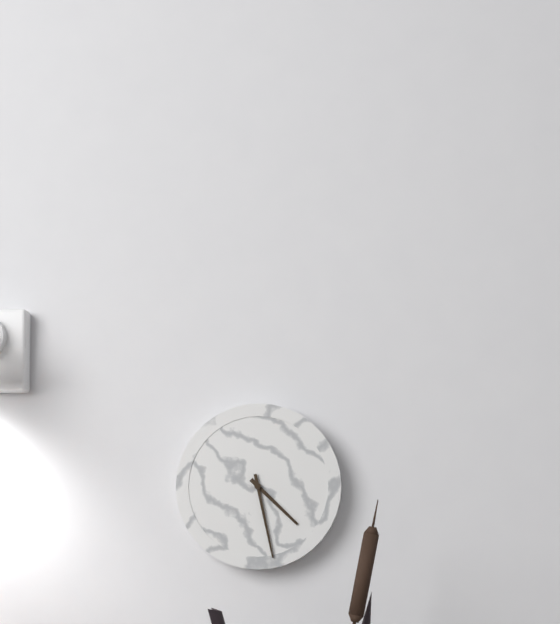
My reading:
4 h 28 min
